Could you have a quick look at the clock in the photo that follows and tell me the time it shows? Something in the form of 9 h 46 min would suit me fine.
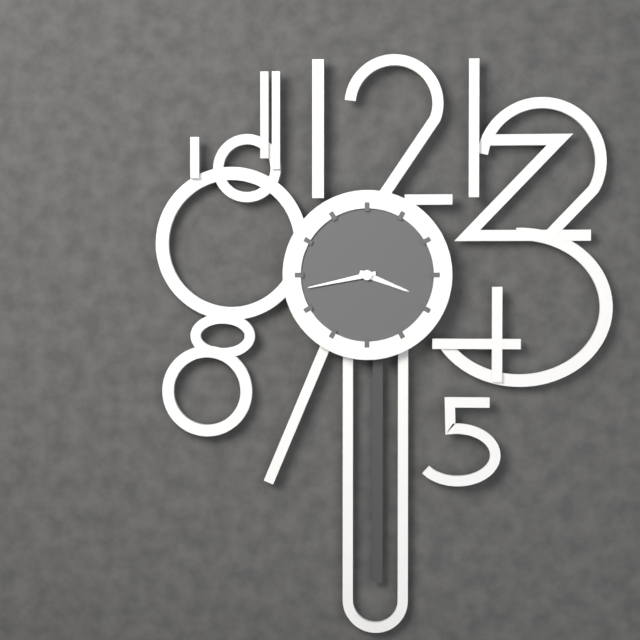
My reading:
3 h 43 min
